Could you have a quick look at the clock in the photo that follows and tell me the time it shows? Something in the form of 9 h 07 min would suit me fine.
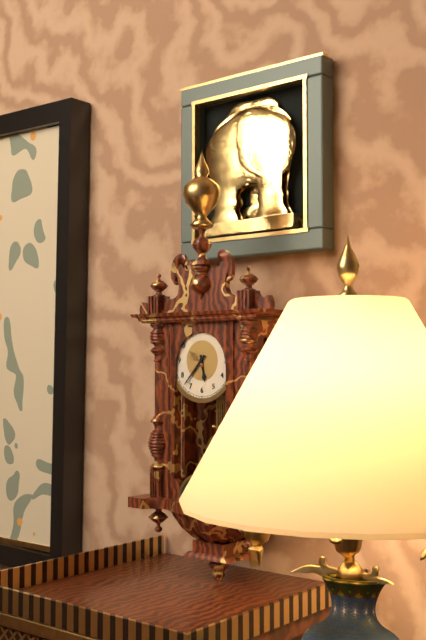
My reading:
5 h 37 min
